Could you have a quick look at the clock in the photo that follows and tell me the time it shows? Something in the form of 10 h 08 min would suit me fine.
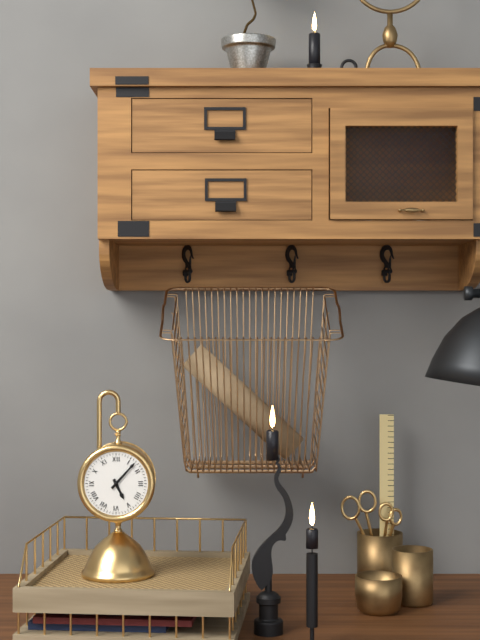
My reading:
5 h 07 min
